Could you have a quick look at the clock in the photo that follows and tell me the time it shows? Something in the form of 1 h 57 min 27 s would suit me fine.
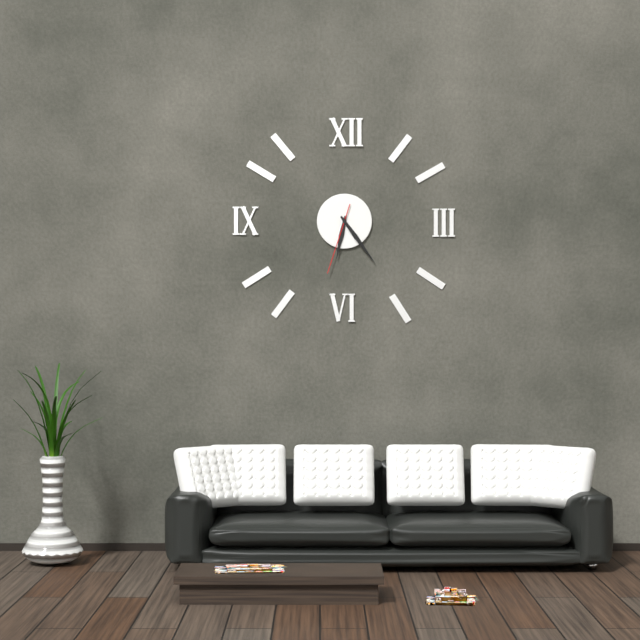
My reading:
6 h 24 min 33 s
